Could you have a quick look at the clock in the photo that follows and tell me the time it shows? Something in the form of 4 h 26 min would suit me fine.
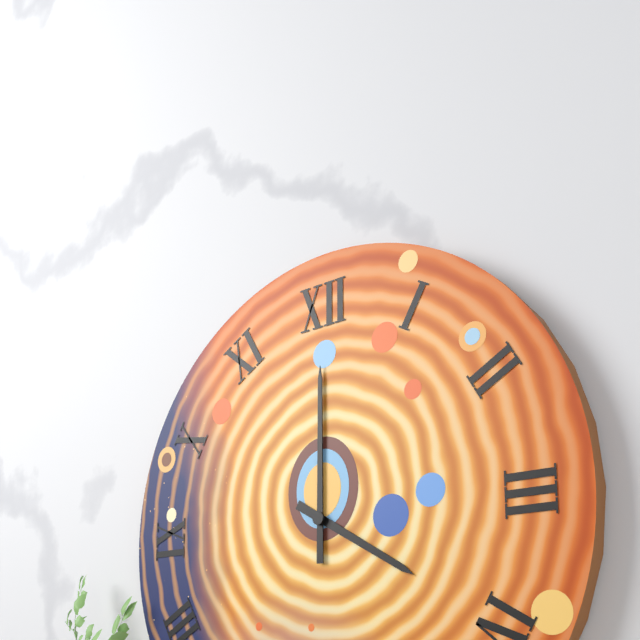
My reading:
4 h 00 min
